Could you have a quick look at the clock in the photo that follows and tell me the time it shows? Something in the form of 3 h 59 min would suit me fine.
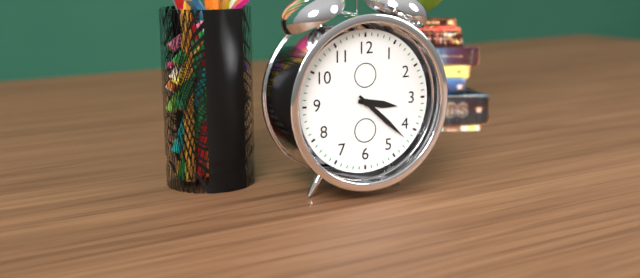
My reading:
3 h 22 min
